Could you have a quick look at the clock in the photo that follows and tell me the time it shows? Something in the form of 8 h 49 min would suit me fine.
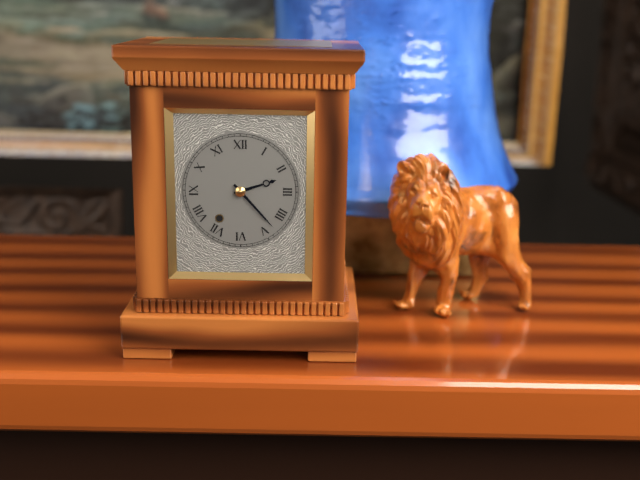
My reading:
2 h 23 min
